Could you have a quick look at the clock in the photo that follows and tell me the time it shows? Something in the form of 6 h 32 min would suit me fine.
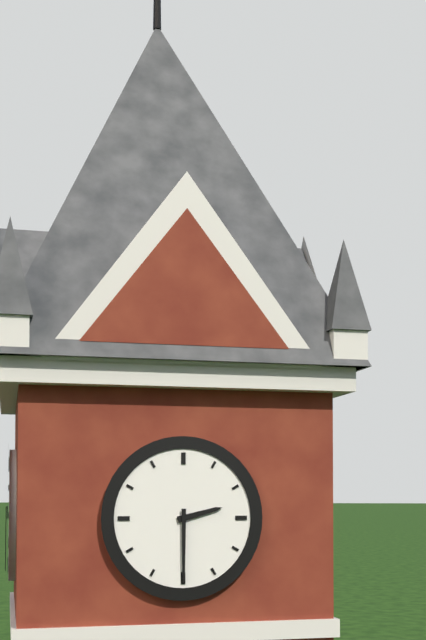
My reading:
2 h 30 min
